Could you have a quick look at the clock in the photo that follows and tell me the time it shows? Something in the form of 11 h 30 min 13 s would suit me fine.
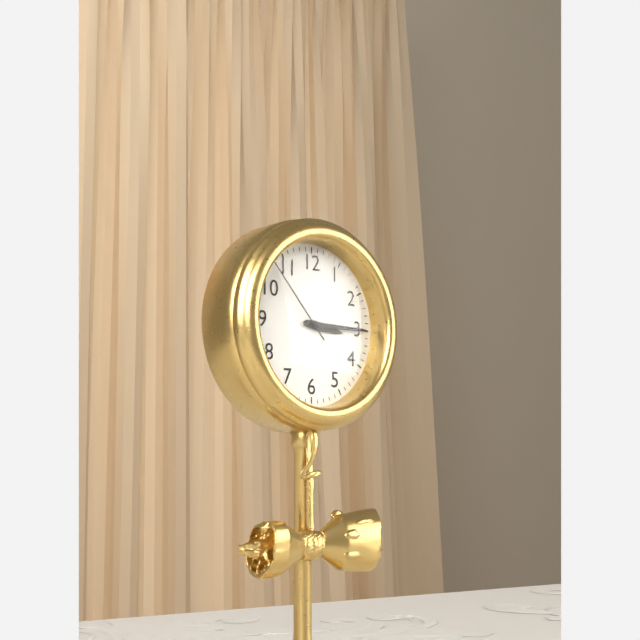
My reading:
3 h 15 min 53 s
